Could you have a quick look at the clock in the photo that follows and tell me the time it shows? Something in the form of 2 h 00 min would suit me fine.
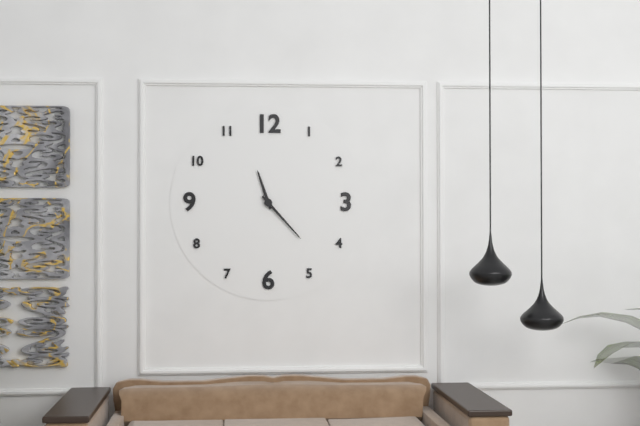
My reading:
11 h 23 min
